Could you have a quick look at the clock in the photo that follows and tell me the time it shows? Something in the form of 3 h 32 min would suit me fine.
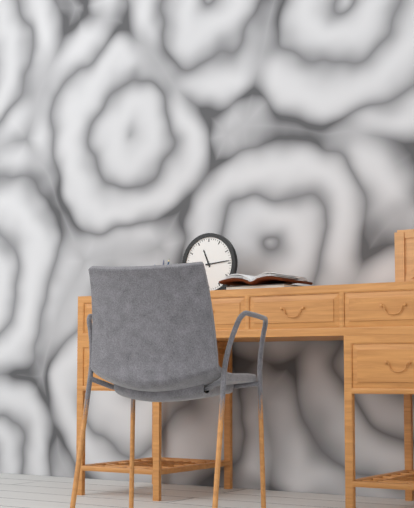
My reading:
11 h 14 min
